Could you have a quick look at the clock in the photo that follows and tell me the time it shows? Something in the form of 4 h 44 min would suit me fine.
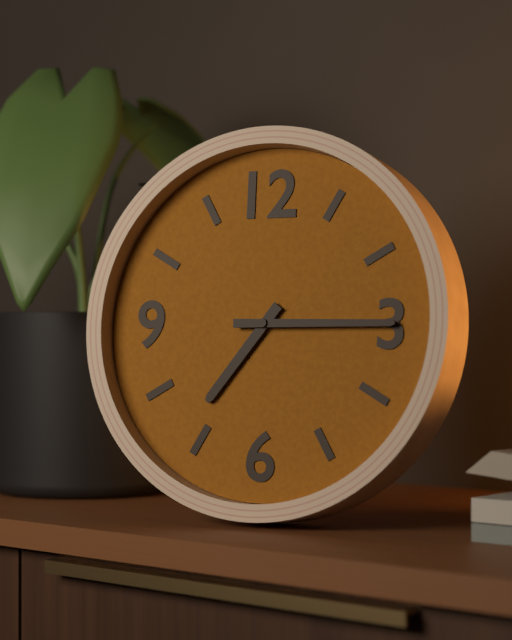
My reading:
7 h 15 min
